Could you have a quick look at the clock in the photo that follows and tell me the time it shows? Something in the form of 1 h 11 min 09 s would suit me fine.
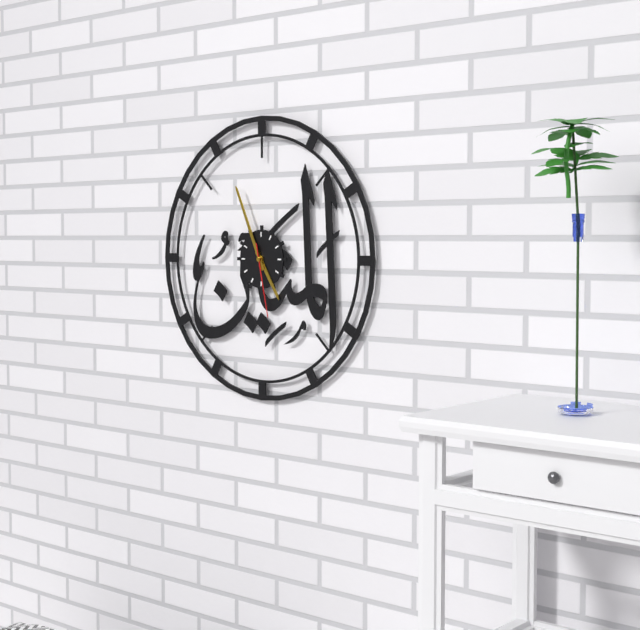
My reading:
4 h 56 min 28 s
